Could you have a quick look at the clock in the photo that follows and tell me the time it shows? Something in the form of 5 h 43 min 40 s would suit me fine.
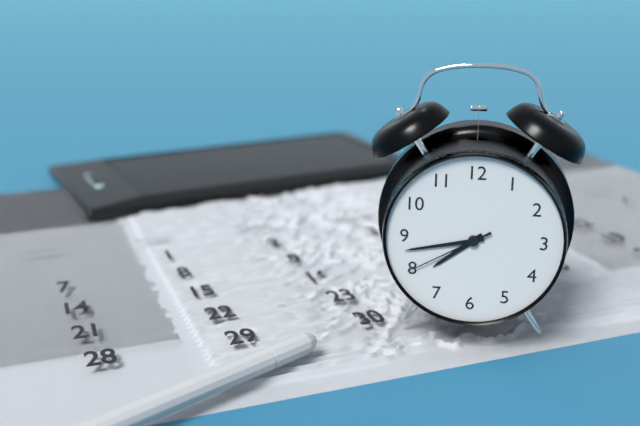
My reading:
7 h 43 min 40 s
